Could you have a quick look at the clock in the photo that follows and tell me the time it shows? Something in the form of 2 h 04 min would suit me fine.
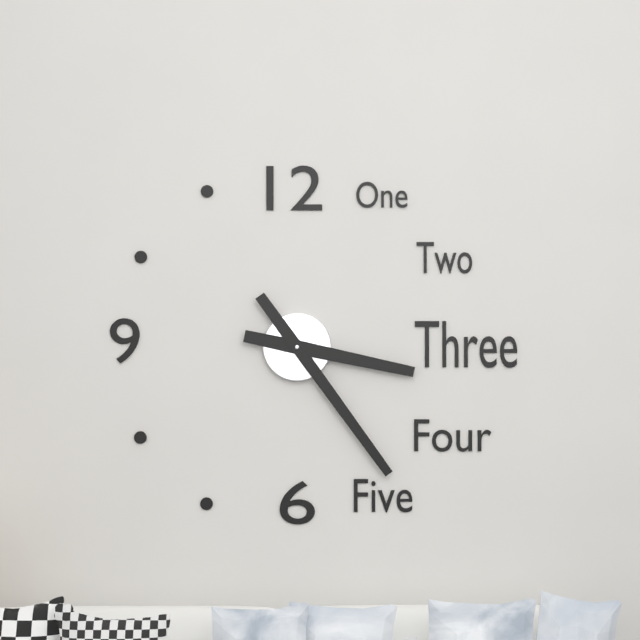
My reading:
3 h 24 min
